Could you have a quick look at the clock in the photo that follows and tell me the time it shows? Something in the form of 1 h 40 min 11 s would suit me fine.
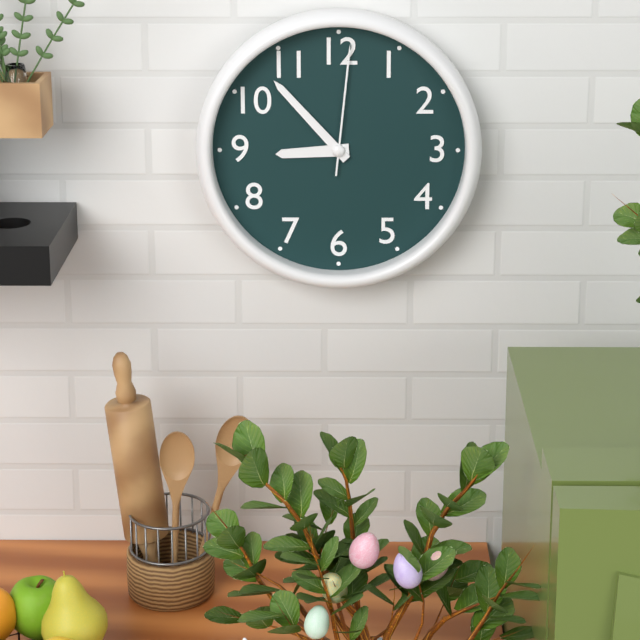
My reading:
8 h 53 min 01 s
